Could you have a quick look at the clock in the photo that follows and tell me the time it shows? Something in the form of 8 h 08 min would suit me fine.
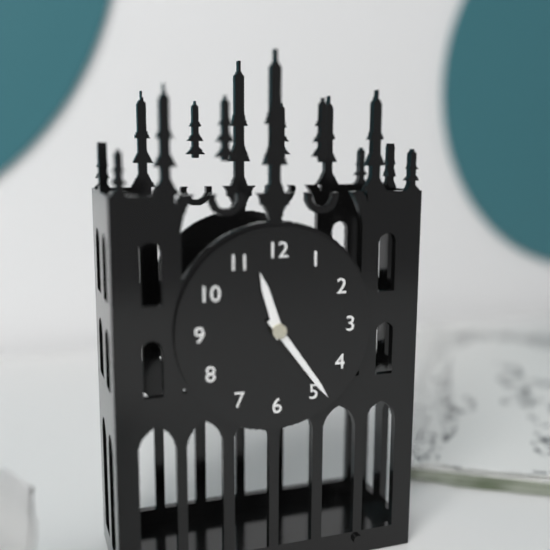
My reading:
11 h 24 min
